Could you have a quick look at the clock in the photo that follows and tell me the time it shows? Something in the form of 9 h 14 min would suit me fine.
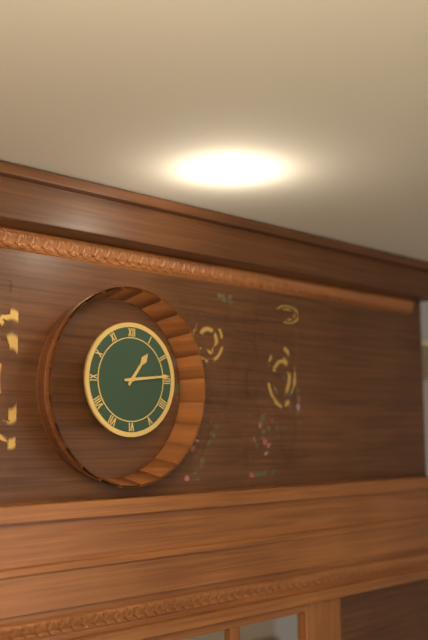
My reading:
1 h 14 min
